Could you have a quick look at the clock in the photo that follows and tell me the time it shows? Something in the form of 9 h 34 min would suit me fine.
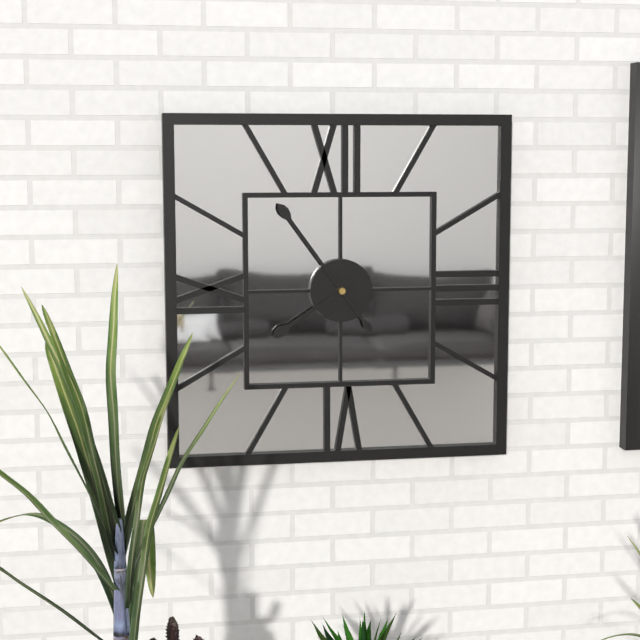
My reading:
7 h 54 min
